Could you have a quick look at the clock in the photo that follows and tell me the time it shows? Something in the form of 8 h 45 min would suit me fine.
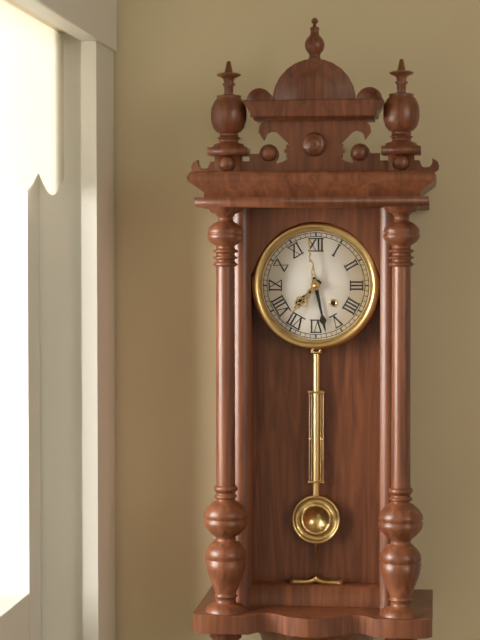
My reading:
7 h 28 min
